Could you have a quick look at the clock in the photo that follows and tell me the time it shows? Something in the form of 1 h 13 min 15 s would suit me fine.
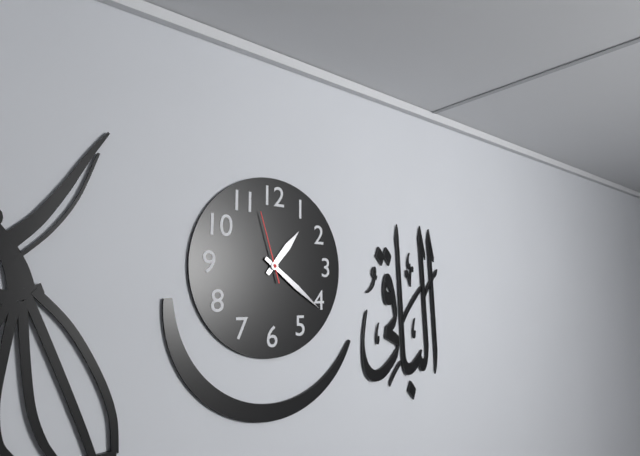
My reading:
1 h 21 min 57 s
